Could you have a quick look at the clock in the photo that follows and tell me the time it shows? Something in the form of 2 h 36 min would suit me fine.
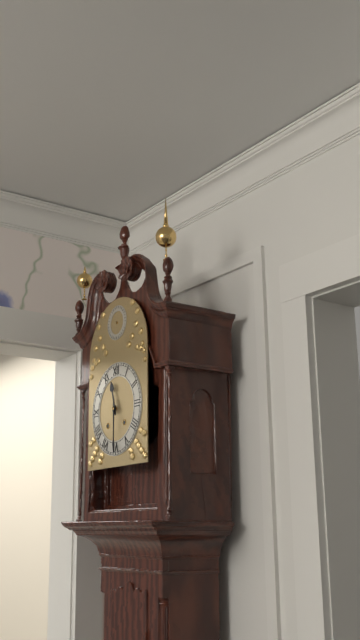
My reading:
11 h 30 min
